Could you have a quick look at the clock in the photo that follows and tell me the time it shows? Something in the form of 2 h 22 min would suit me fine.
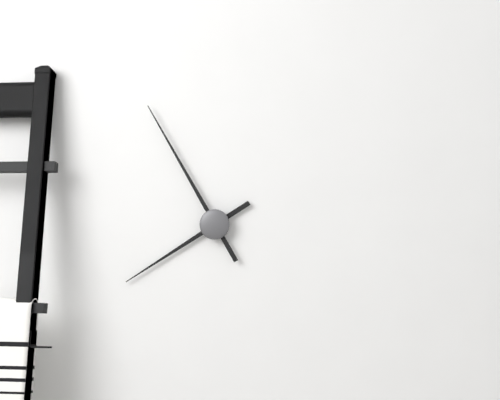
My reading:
7 h 55 min
